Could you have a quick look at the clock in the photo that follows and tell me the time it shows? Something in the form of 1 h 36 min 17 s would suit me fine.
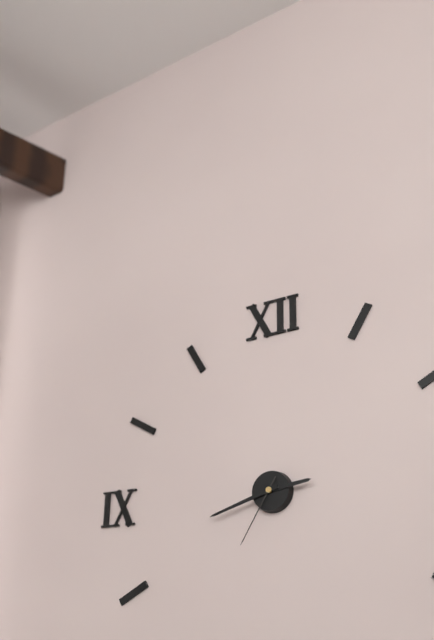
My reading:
2 h 42 min 35 s
